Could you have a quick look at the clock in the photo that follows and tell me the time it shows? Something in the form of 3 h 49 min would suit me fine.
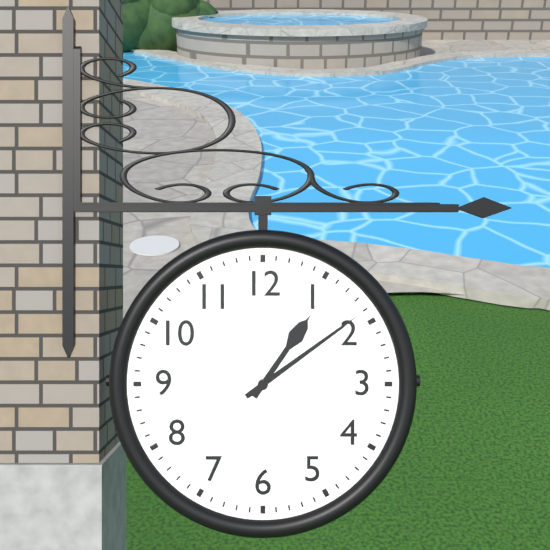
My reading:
1 h 09 min
